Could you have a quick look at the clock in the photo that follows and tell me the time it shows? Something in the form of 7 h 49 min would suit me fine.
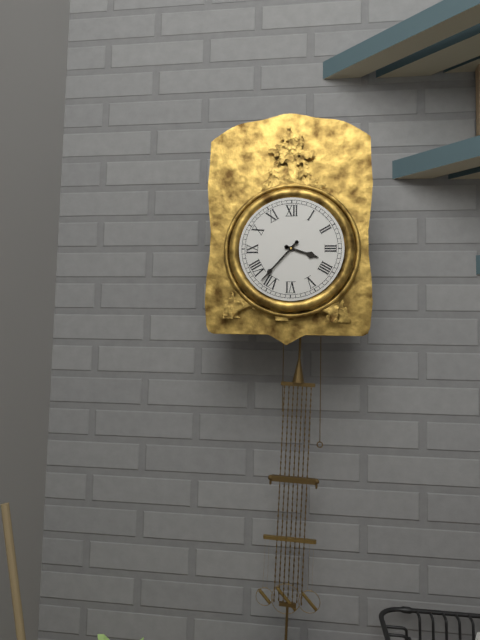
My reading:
3 h 37 min
